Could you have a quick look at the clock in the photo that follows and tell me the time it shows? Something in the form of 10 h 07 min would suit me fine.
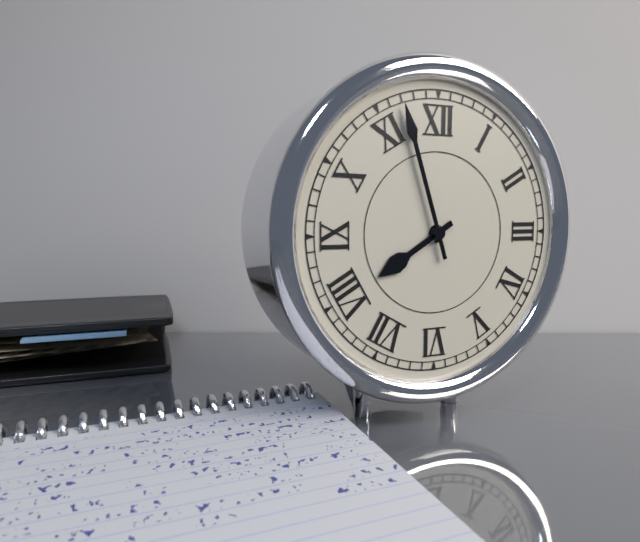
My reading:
7 h 57 min
